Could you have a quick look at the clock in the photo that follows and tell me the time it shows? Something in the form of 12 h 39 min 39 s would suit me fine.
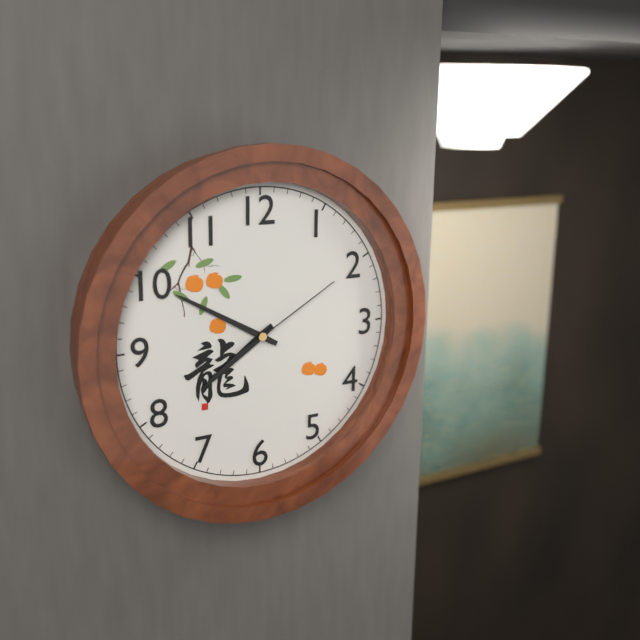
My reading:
7 h 50 min 10 s
